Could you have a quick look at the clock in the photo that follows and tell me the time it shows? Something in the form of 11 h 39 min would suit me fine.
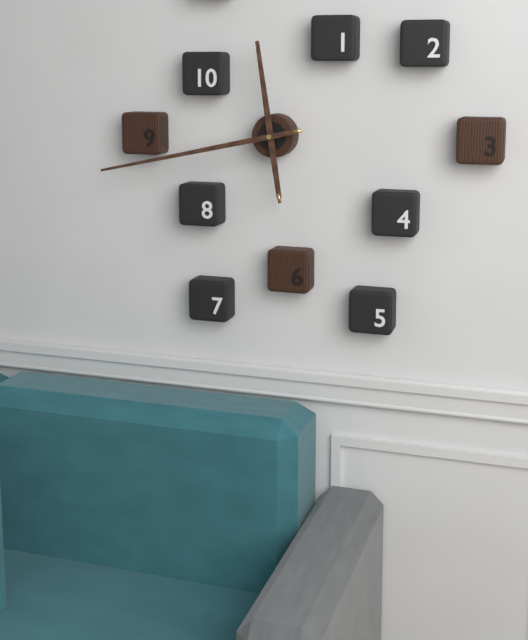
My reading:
11 h 43 min
